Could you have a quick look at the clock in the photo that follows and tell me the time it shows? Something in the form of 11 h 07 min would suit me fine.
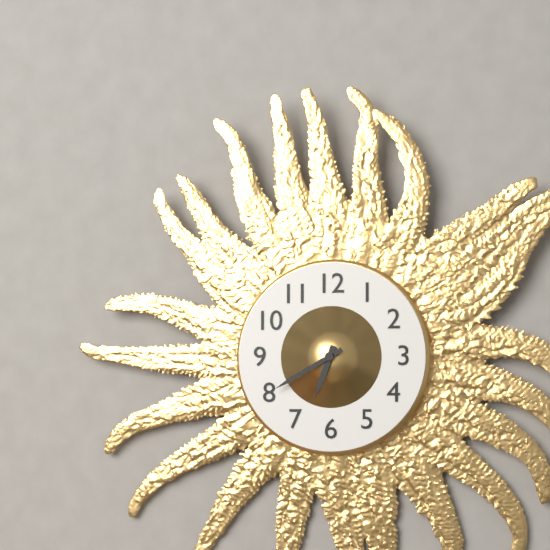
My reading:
6 h 40 min
